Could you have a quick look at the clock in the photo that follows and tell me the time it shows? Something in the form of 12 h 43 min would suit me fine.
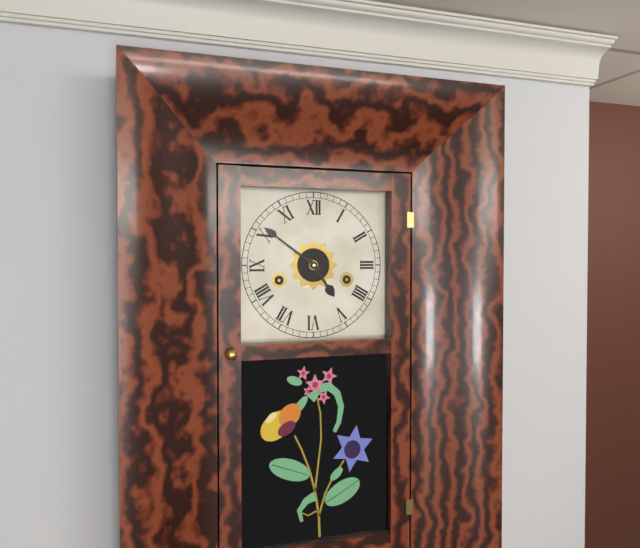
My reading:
4 h 51 min
